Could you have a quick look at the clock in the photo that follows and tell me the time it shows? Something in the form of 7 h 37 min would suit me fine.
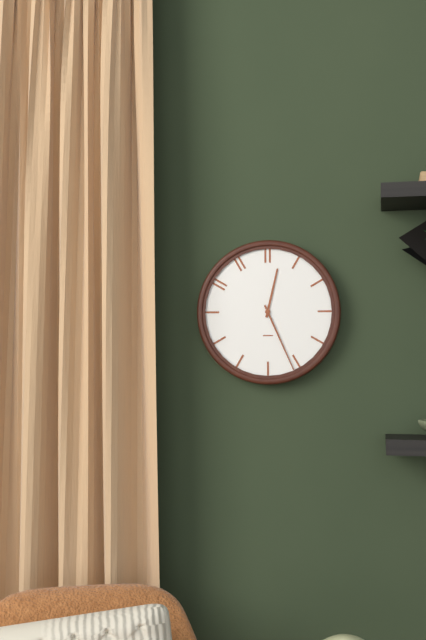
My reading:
12 h 26 min
